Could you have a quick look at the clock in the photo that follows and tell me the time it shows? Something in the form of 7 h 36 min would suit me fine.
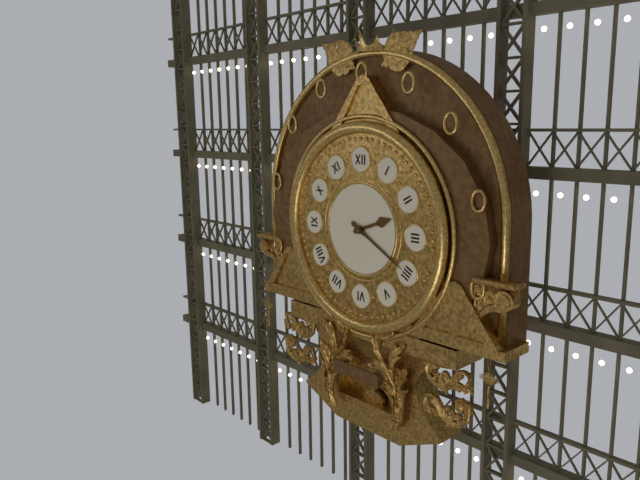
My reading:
2 h 20 min
